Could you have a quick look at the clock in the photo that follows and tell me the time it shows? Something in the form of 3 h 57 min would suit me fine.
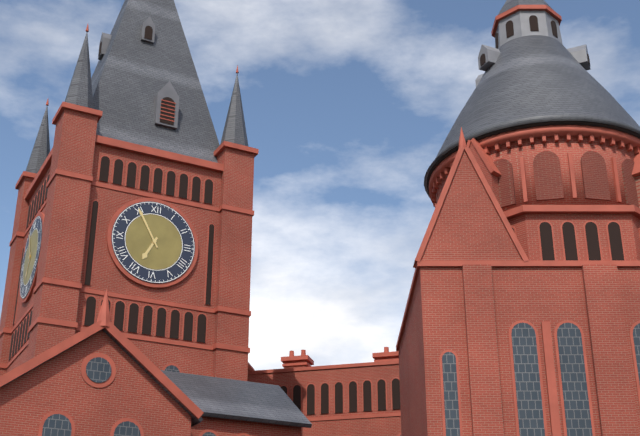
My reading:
6 h 55 min
